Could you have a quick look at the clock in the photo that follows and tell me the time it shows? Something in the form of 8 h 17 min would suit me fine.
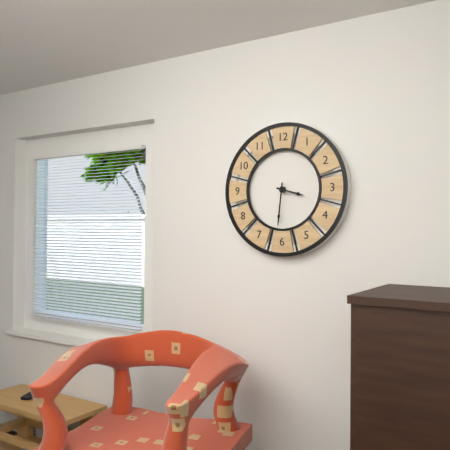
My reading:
3 h 31 min
